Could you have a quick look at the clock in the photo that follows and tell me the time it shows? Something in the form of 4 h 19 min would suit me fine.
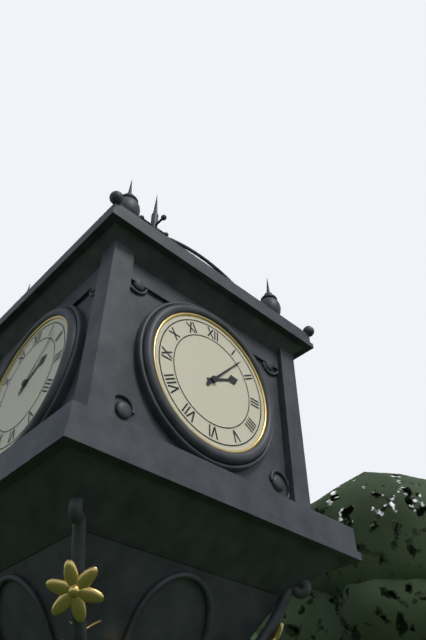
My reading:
2 h 07 min
